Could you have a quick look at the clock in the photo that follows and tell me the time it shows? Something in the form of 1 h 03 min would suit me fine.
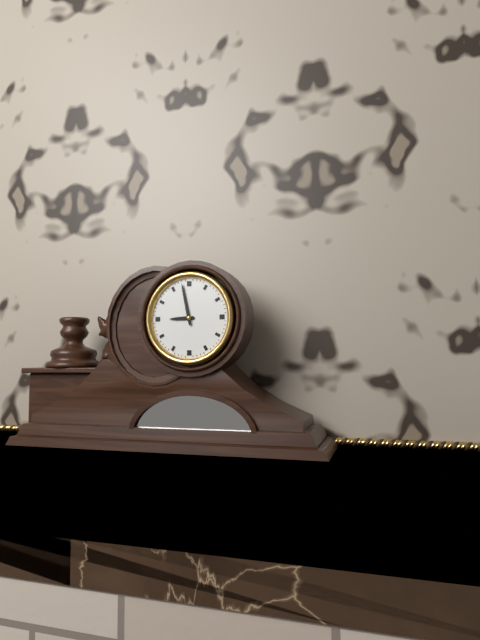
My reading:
8 h 58 min
